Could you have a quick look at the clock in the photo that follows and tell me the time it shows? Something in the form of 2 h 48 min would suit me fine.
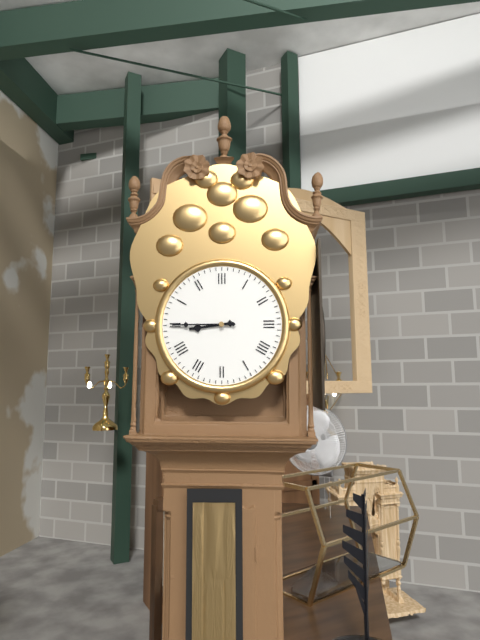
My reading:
8 h 45 min
